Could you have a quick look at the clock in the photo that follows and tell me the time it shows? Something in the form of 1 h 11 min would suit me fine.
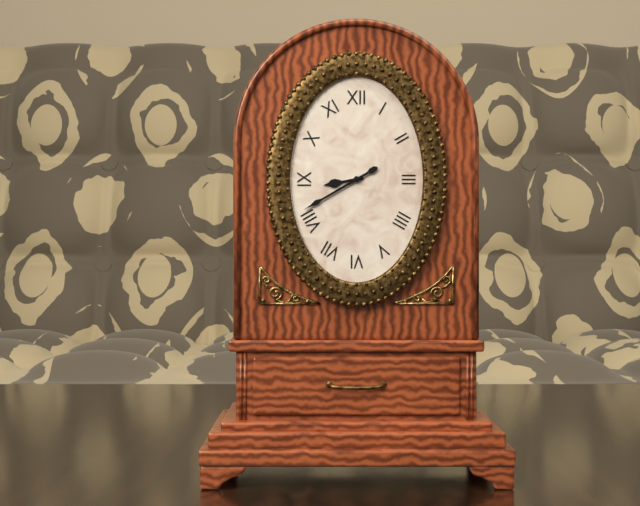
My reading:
8 h 40 min
